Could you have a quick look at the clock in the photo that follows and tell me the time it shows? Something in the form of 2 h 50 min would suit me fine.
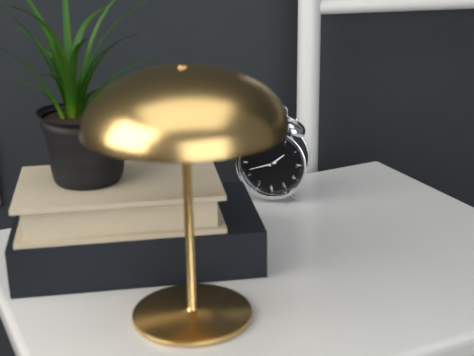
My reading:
1 h 42 min
